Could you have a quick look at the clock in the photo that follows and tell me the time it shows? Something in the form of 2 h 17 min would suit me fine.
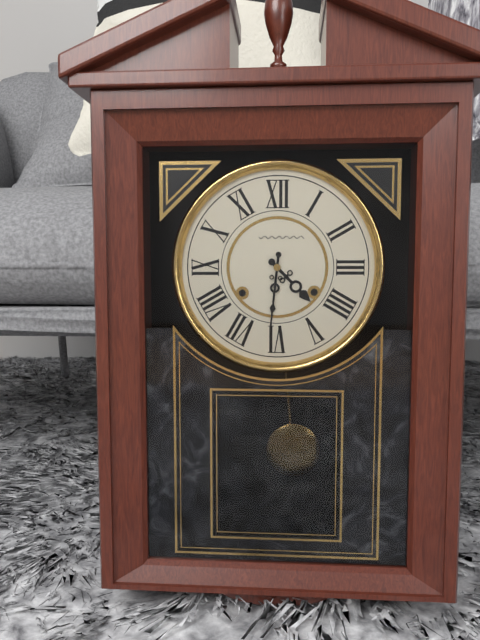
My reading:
4 h 31 min
